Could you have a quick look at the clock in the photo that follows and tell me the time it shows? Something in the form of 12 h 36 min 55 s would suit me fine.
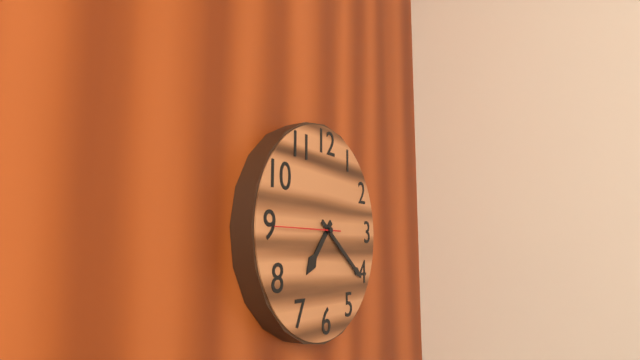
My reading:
7 h 21 min 45 s
